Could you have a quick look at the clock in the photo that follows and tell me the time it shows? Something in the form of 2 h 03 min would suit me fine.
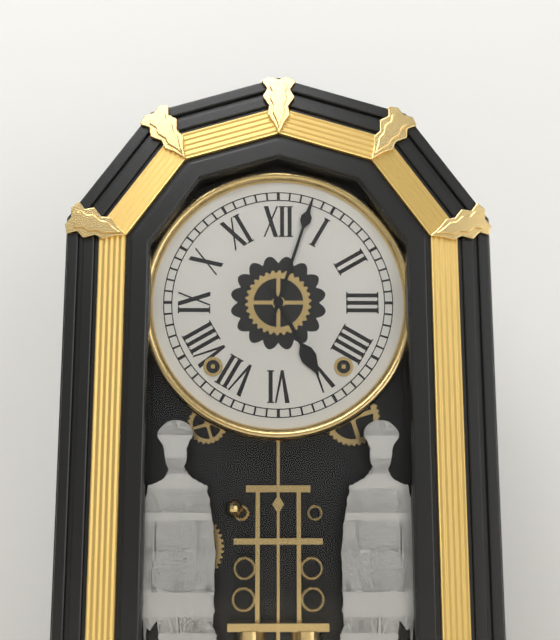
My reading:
5 h 03 min
